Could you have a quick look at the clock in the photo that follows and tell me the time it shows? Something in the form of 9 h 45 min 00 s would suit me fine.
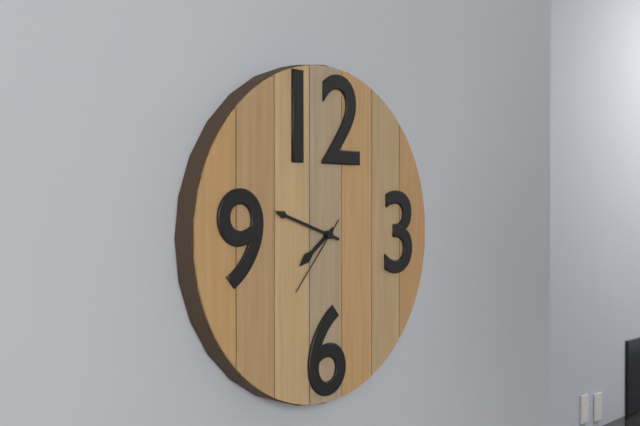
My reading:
7 h 48 min 37 s
